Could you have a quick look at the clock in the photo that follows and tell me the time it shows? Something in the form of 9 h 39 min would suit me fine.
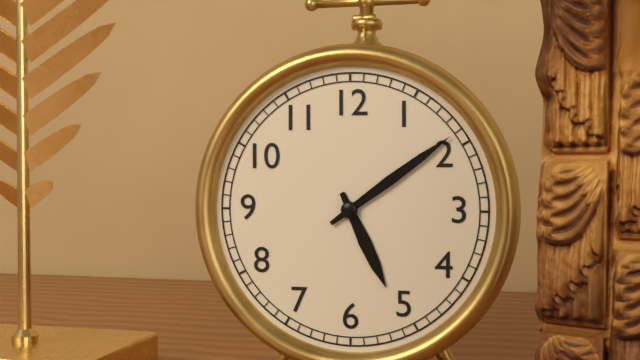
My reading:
5 h 09 min
